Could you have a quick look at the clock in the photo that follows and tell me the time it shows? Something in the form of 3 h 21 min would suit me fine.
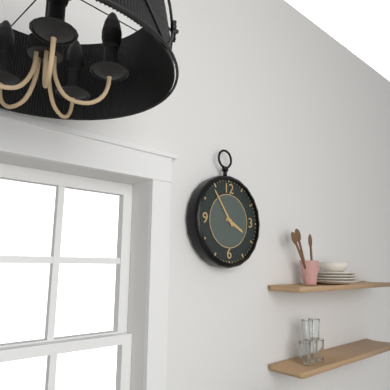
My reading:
3 h 54 min
